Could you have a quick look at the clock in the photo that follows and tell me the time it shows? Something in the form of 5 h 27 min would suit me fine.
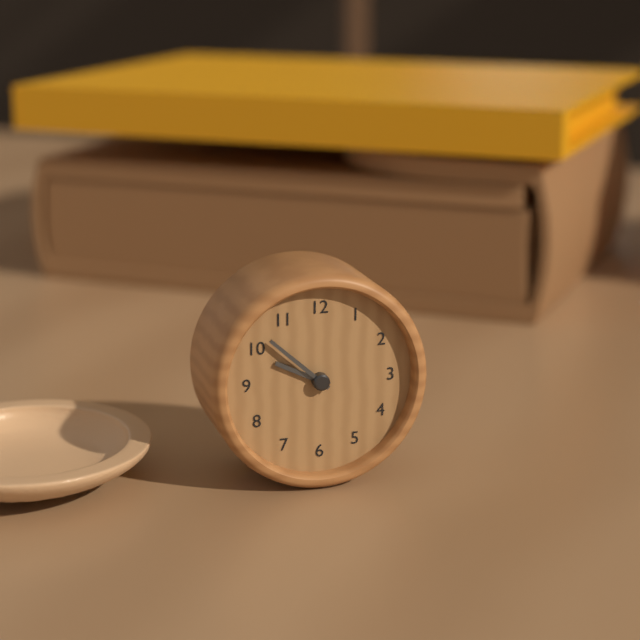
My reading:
9 h 52 min
